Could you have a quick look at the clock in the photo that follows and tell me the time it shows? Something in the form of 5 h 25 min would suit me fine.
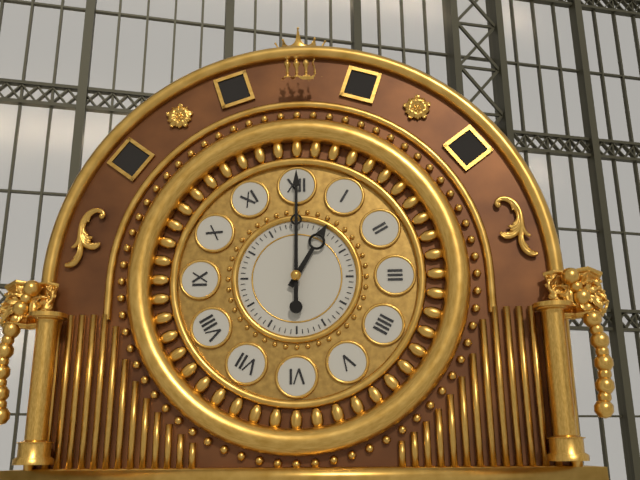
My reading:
1 h 00 min
